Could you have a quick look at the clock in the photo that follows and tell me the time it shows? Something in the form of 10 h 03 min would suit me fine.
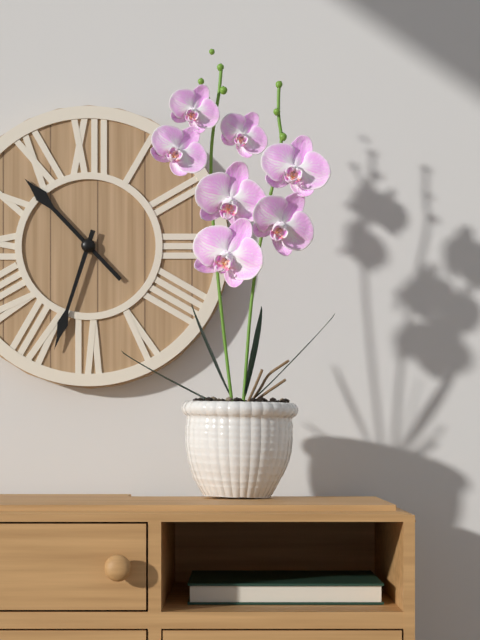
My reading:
10 h 33 min
